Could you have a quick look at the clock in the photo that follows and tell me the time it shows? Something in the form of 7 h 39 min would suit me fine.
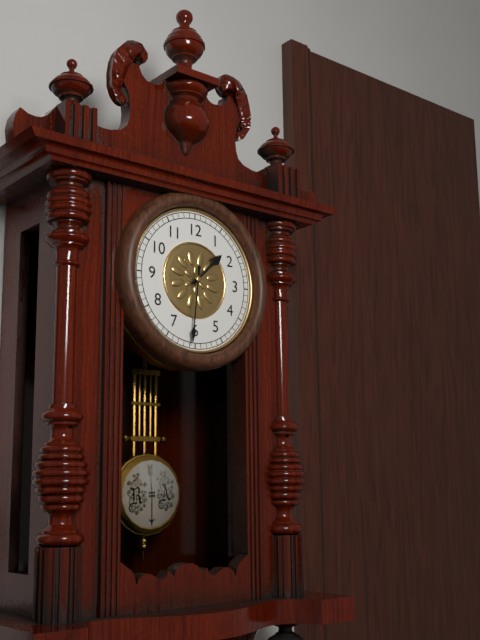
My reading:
1 h 31 min
